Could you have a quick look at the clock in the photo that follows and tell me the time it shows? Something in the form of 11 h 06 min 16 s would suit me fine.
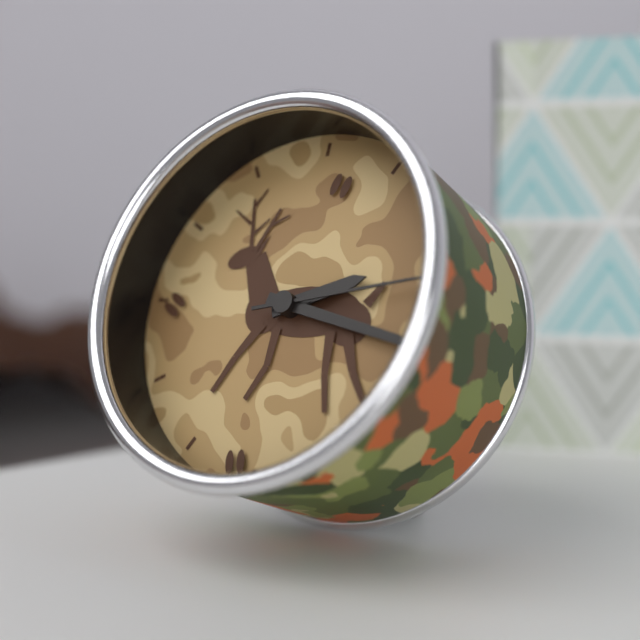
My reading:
2 h 17 min 13 s
